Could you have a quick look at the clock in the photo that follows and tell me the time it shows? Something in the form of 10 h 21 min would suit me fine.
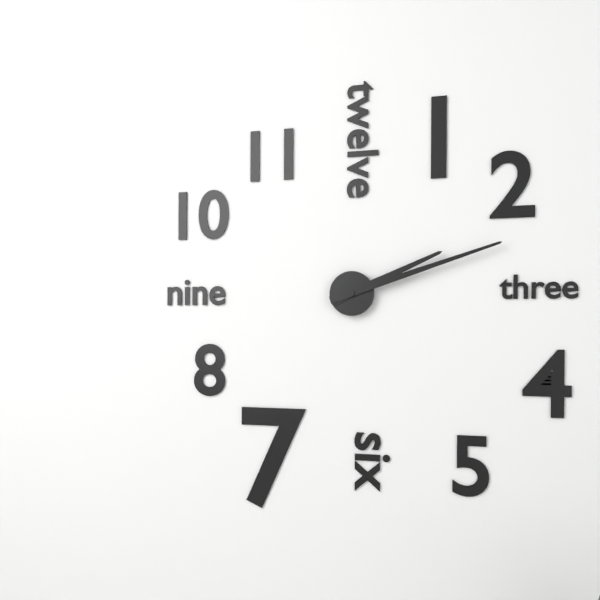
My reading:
2 h 12 min
